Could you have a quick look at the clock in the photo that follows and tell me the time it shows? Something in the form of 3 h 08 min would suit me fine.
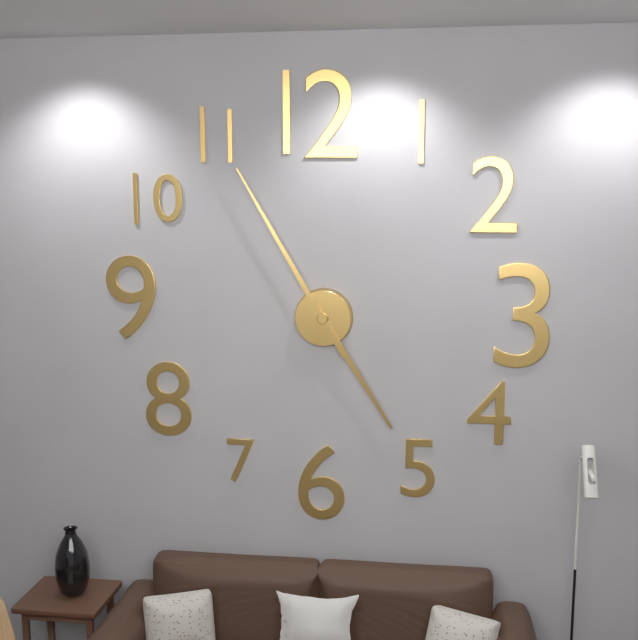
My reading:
4 h 55 min
